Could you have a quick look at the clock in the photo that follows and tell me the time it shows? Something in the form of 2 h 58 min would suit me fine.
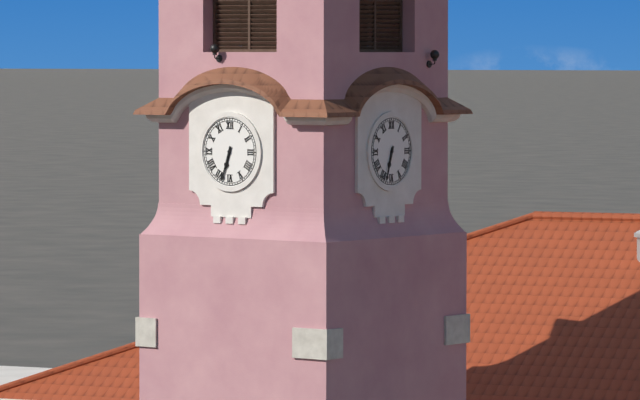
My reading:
6 h 33 min
